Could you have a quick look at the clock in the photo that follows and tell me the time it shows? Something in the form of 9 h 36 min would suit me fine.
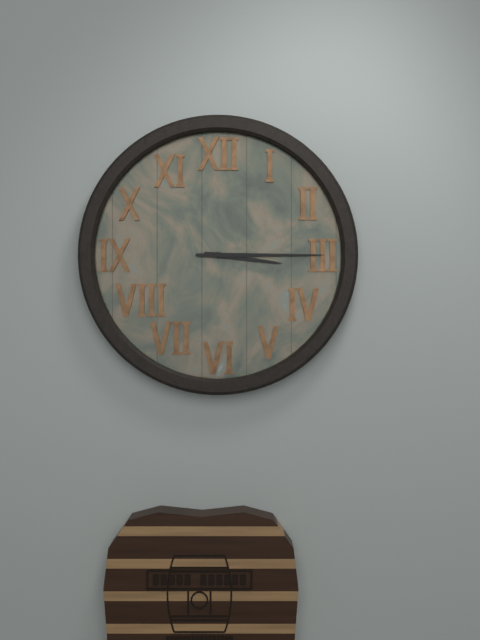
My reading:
3 h 15 min
